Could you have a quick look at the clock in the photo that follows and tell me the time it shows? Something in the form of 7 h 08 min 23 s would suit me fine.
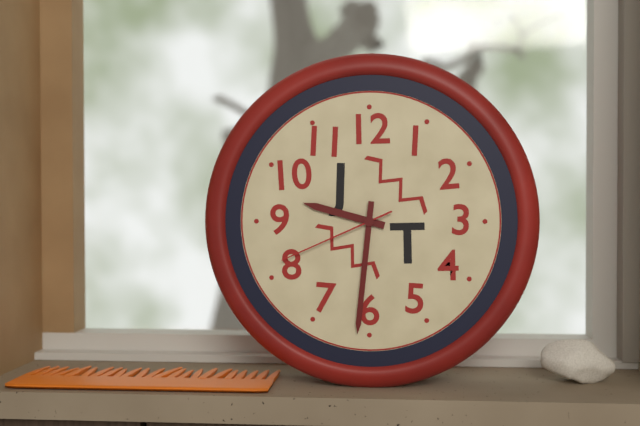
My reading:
9 h 31 min 41 s
